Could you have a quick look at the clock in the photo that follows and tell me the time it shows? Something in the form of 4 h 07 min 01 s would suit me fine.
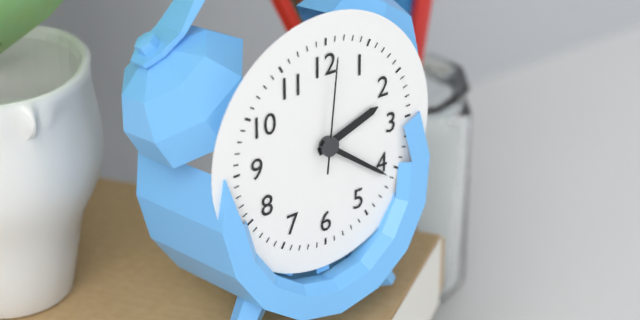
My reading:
2 h 21 min 01 s
